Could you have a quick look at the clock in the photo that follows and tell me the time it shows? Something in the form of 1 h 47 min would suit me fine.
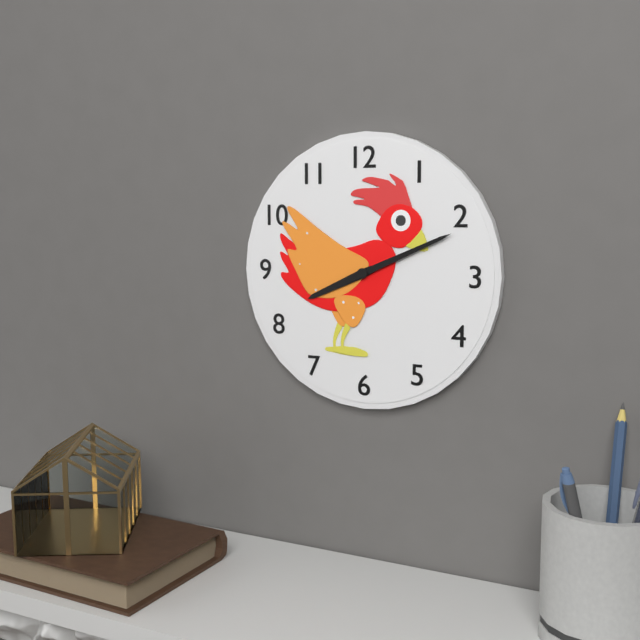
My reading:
8 h 11 min
